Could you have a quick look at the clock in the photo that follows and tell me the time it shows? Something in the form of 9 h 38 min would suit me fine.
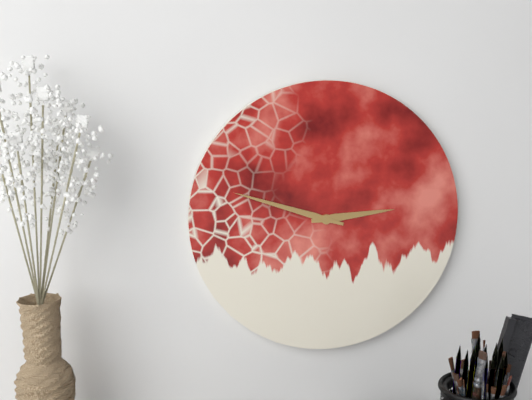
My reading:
2 h 48 min
